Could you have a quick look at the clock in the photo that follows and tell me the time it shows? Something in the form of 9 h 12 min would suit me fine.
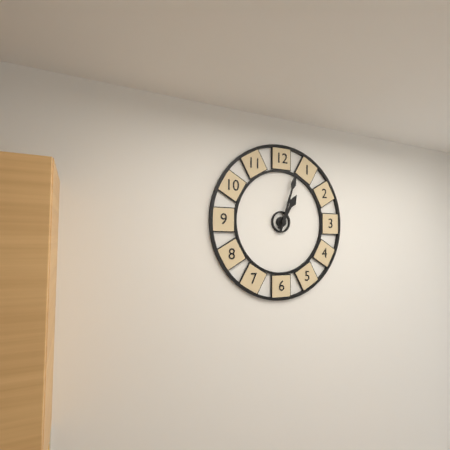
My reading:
1 h 03 min
